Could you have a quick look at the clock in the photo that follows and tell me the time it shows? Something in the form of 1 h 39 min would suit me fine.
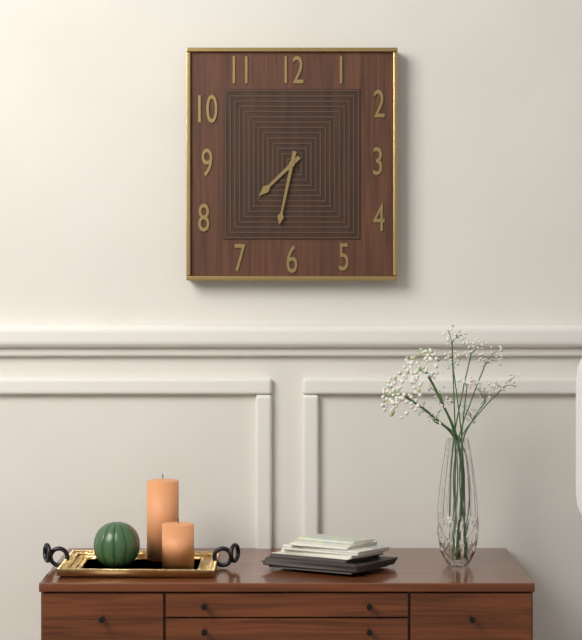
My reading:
7 h 32 min
